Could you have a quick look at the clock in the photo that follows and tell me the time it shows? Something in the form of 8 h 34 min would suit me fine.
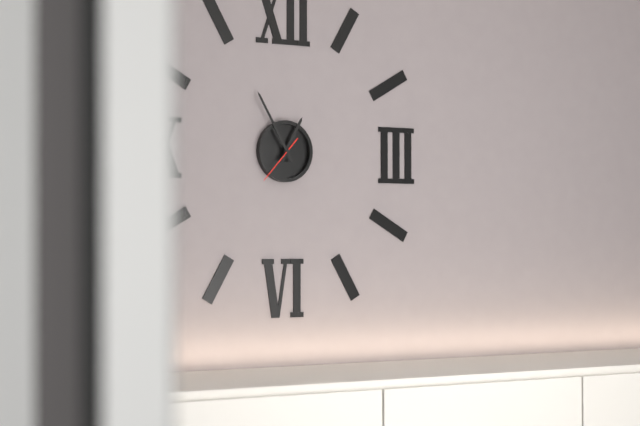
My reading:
12 h 55 min
